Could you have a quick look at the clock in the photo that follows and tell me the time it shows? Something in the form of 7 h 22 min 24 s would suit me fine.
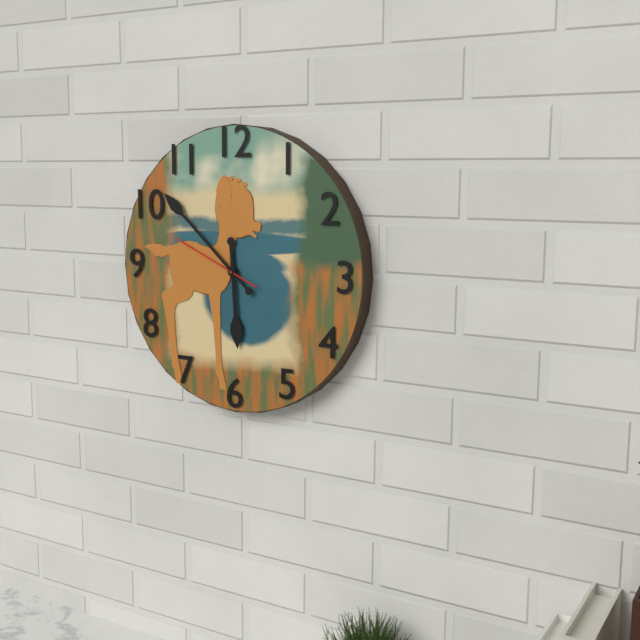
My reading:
5 h 52 min 49 s
